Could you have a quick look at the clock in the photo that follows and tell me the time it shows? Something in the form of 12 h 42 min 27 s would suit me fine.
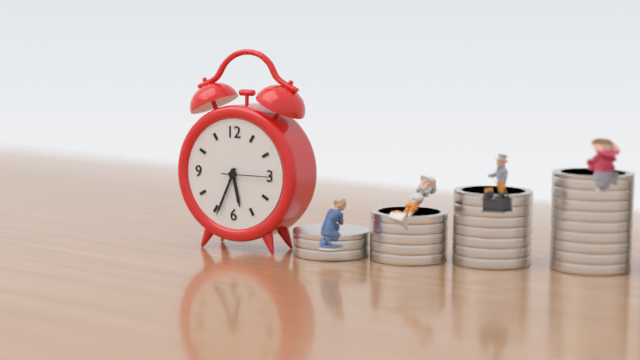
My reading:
5 h 34 min 15 s
